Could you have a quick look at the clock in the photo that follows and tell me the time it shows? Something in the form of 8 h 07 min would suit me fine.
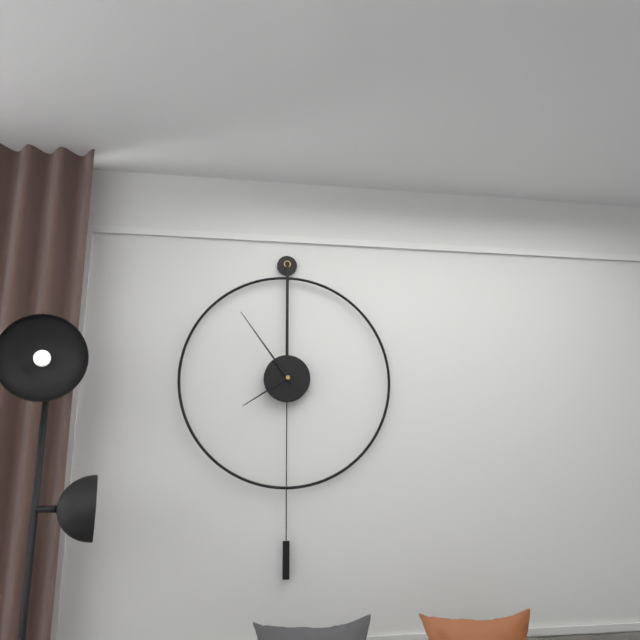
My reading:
7 h 54 min
